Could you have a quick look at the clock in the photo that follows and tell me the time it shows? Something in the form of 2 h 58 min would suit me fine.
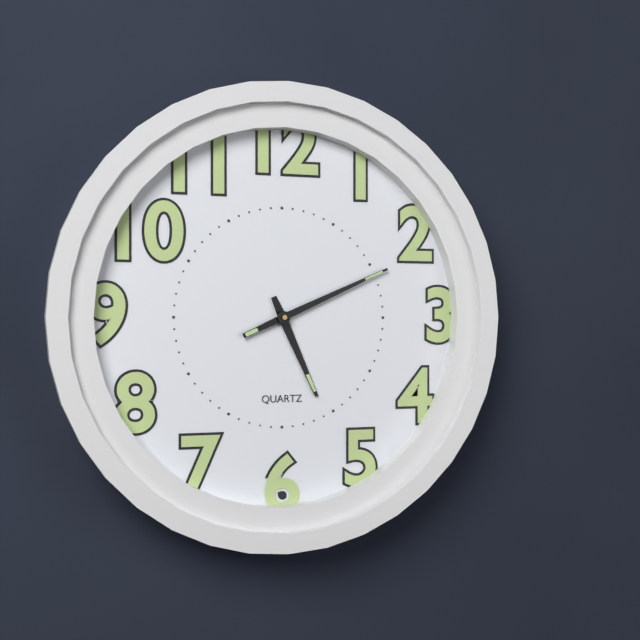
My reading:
5 h 11 min
